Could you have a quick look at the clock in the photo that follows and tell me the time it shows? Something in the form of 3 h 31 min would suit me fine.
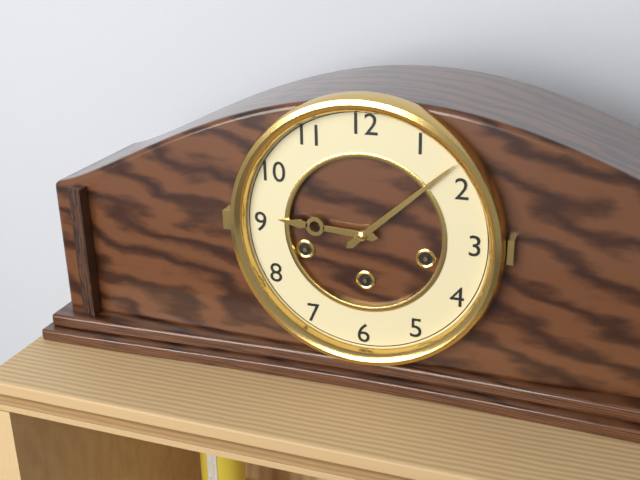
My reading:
9 h 08 min
